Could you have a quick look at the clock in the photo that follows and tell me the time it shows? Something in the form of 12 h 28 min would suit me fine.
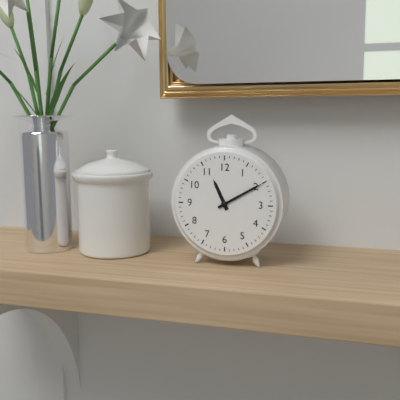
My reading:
11 h 10 min
